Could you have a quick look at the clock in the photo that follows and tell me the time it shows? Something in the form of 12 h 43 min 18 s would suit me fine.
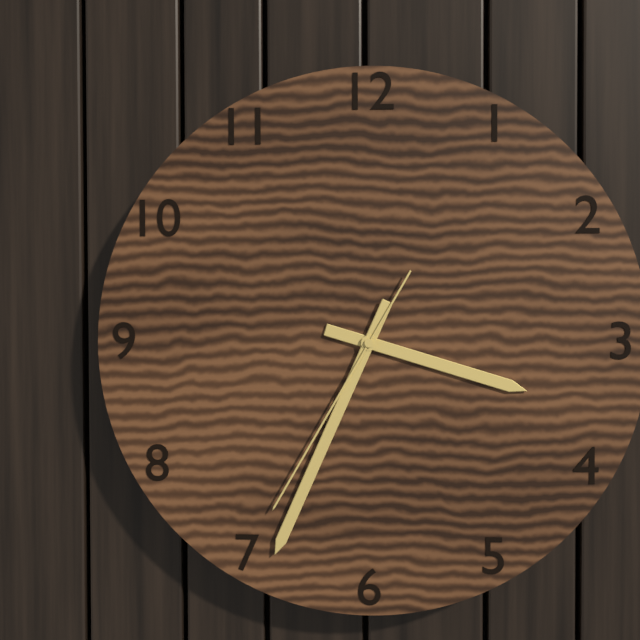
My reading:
3 h 34 min 35 s
